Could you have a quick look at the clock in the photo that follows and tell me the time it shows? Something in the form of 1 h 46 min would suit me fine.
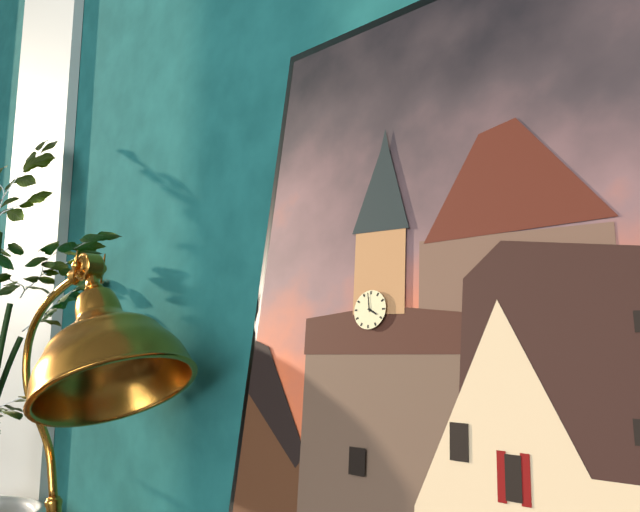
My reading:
3 h 58 min
